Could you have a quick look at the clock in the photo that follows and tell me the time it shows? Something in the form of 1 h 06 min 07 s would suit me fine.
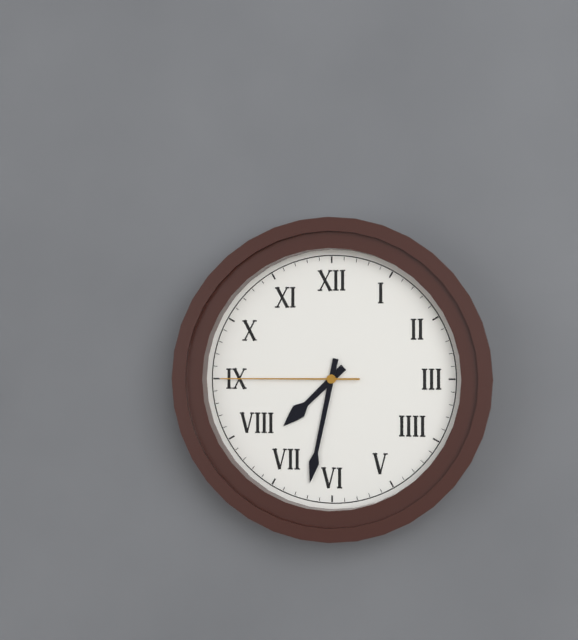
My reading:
7 h 32 min 45 s
